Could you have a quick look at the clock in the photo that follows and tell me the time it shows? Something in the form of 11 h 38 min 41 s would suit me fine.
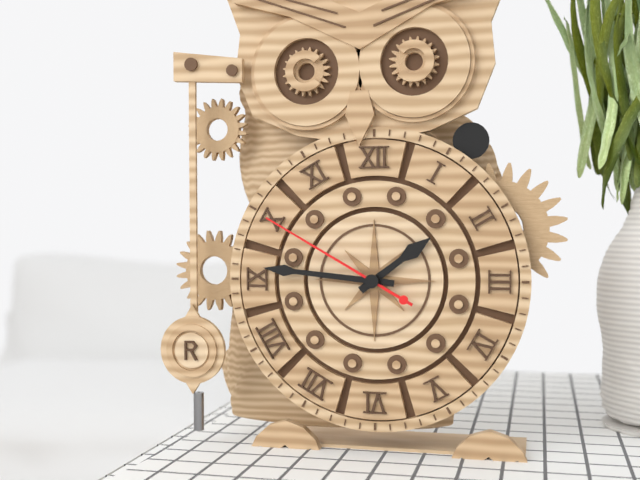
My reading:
1 h 46 min 50 s
